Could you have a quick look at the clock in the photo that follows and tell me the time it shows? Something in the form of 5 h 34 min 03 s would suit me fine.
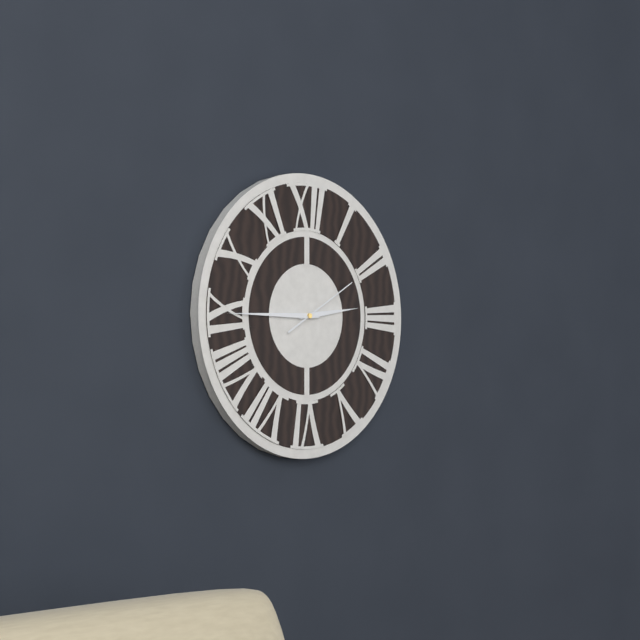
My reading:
2 h 45 min 10 s
